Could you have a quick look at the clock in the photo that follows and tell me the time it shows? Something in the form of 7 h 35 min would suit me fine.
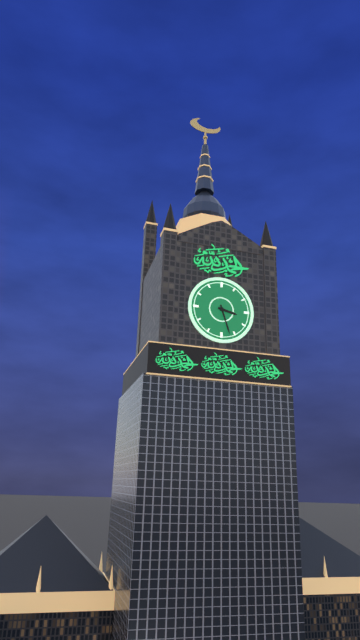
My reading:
3 h 27 min
